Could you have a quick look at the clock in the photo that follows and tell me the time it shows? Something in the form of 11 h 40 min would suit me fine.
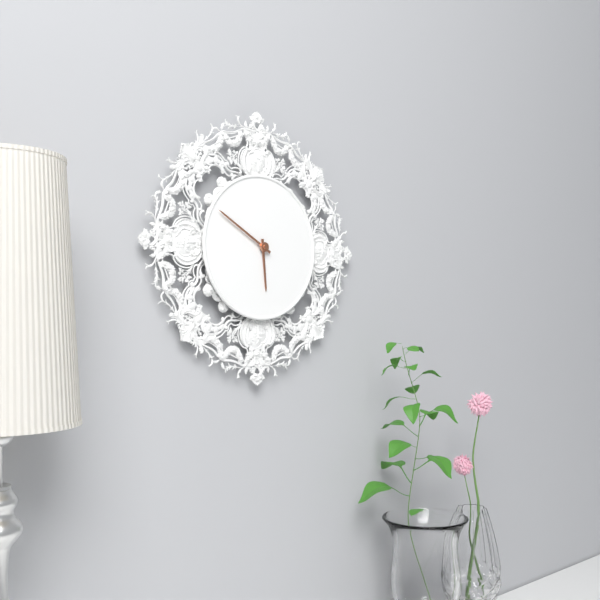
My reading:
5 h 50 min
